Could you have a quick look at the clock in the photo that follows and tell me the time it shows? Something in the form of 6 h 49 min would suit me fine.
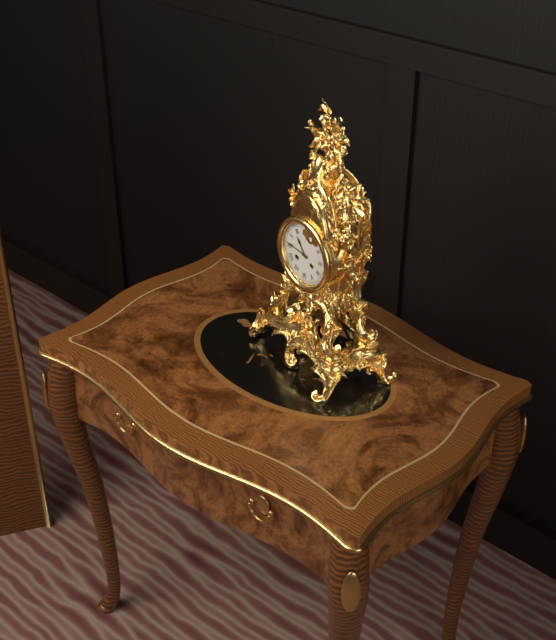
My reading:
10 h 46 min
